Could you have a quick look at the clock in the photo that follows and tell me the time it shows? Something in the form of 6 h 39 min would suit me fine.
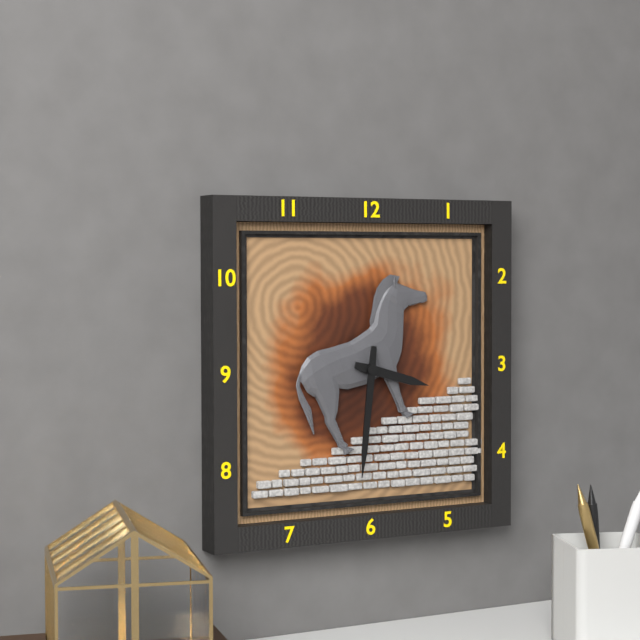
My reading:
3 h 31 min
